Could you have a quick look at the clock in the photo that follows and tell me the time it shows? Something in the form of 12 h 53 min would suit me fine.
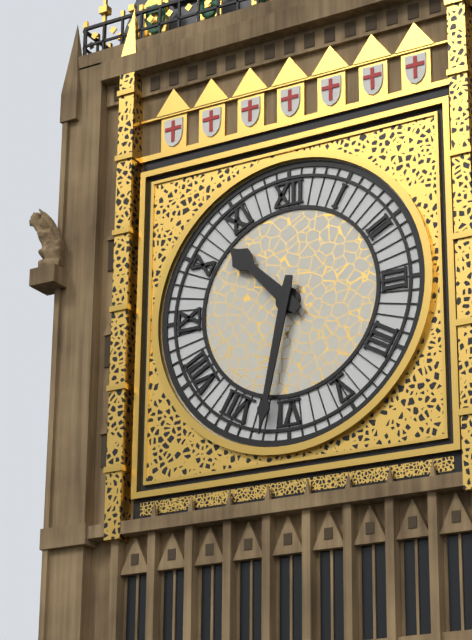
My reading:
10 h 32 min
